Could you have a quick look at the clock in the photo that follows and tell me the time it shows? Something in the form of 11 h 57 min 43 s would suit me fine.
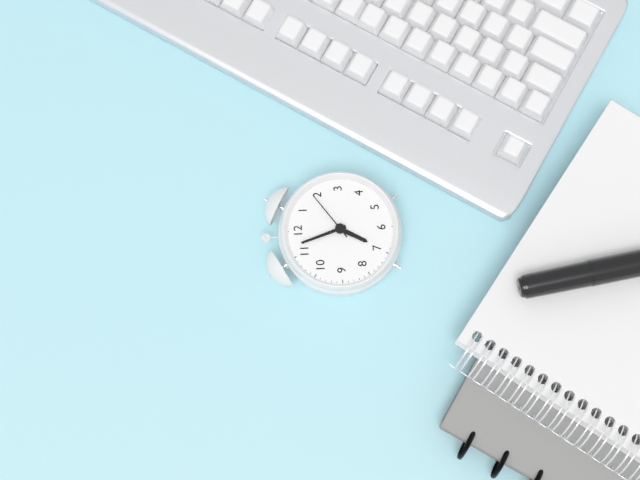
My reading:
6 h 57 min 09 s
